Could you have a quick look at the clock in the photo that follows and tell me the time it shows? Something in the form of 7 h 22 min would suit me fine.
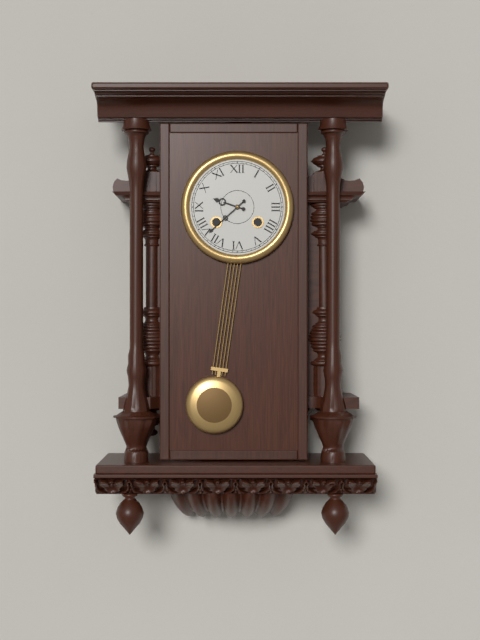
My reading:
9 h 38 min
